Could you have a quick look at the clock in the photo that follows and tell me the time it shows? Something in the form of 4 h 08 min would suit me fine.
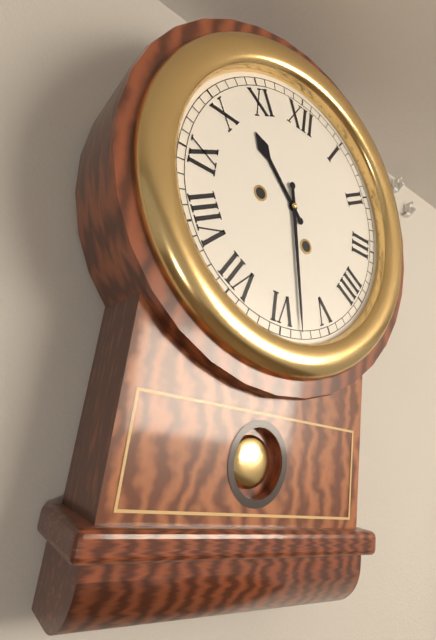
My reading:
10 h 28 min
